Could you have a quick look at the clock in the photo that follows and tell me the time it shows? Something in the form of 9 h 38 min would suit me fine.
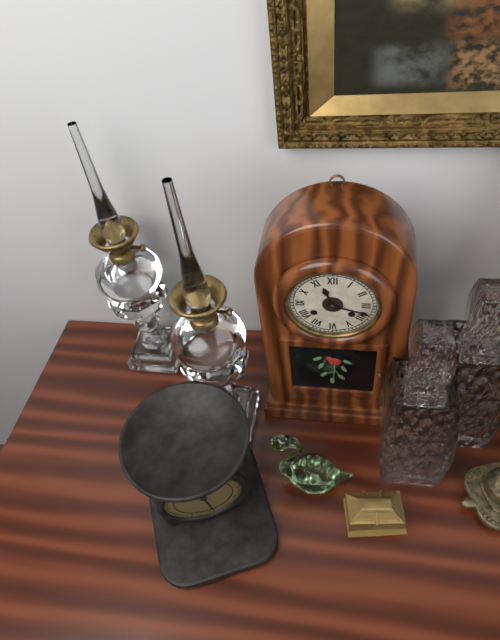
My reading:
11 h 18 min
